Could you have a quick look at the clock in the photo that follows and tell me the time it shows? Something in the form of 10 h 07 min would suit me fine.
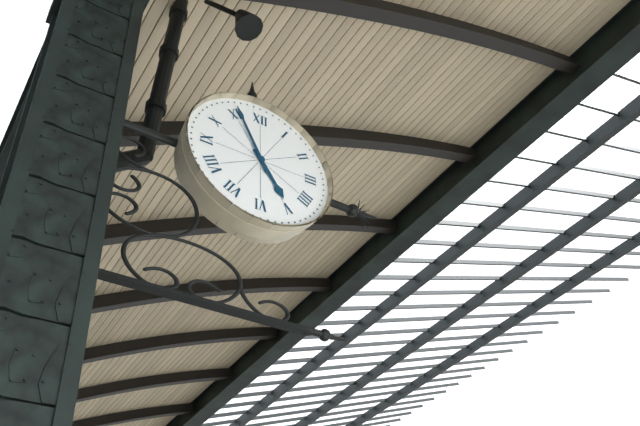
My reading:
4 h 56 min
